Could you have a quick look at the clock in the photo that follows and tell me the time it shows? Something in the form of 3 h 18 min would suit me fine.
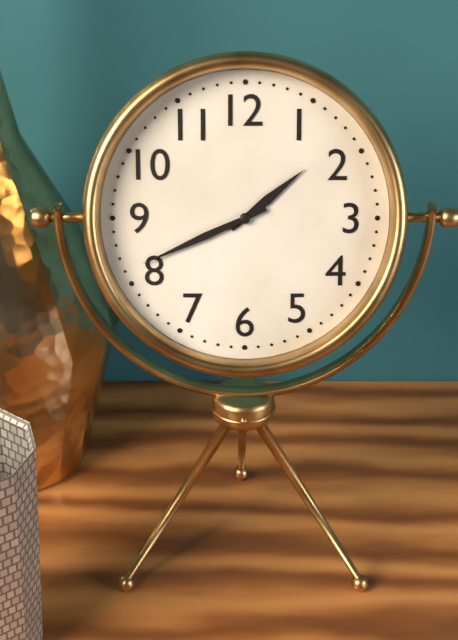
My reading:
1 h 41 min
